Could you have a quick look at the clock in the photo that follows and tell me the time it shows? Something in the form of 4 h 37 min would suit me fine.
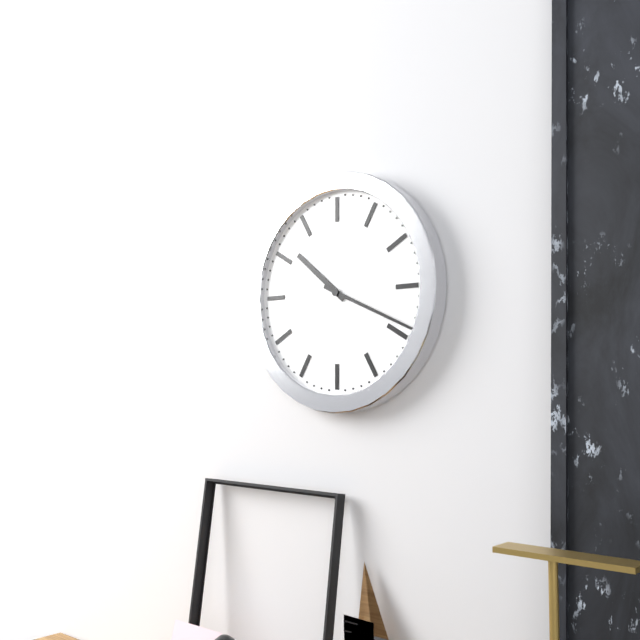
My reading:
10 h 19 min
